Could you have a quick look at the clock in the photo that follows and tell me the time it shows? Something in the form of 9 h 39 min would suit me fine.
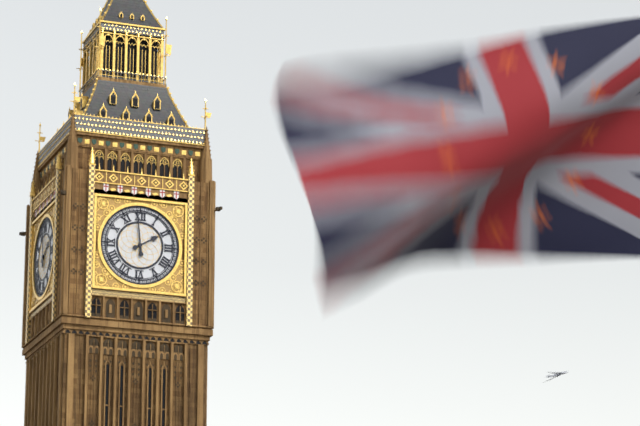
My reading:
1 h 59 min
